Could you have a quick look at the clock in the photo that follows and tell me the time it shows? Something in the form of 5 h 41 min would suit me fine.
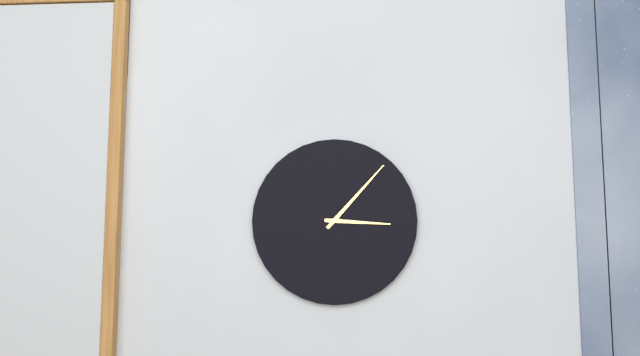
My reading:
3 h 07 min
